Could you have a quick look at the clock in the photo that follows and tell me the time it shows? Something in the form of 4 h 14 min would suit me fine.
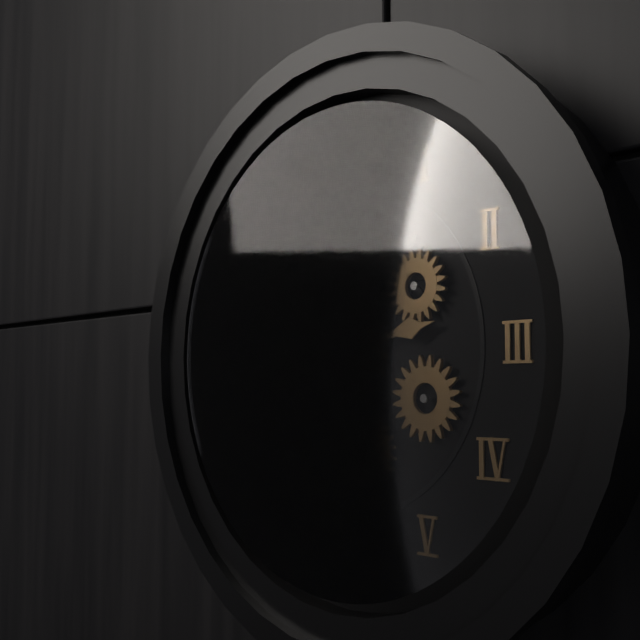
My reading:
2 h 40 min
